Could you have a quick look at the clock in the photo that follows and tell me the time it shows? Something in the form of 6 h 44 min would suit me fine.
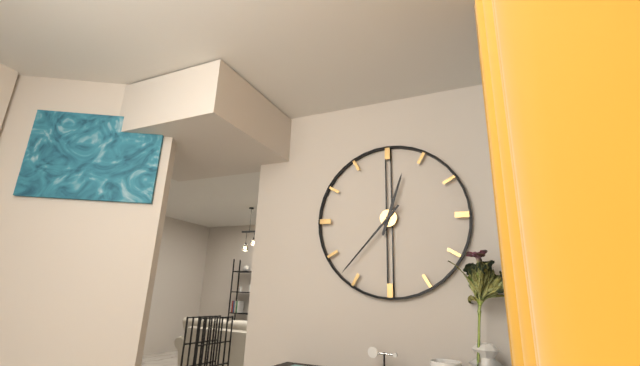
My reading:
12 h 37 min
